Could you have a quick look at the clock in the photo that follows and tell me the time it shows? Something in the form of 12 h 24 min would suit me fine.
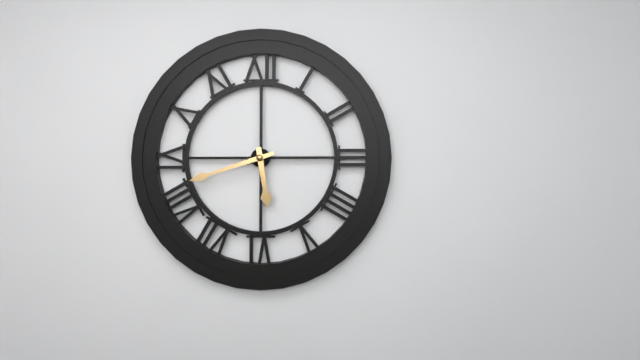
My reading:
5 h 42 min
